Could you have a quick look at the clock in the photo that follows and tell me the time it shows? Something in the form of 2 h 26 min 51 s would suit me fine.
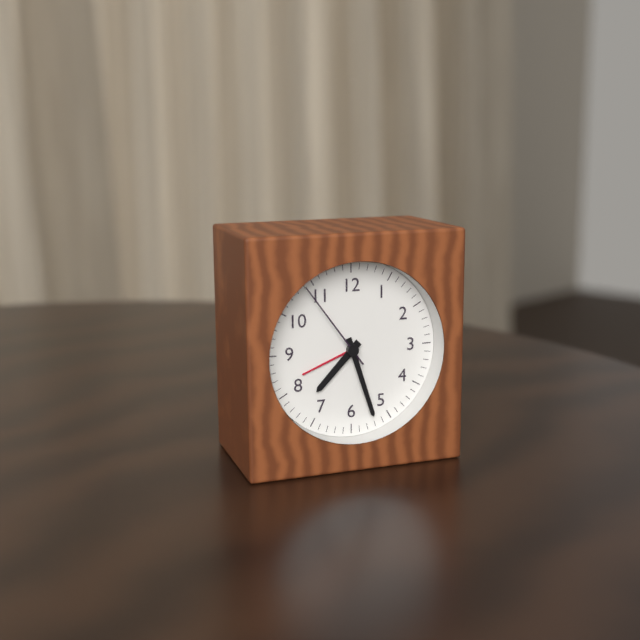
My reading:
7 h 27 min 54 s
